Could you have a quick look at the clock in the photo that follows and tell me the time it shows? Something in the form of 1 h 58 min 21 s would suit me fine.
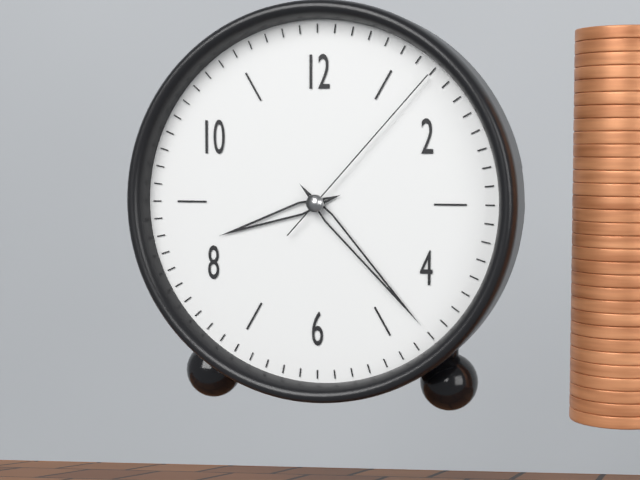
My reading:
8 h 23 min 07 s
